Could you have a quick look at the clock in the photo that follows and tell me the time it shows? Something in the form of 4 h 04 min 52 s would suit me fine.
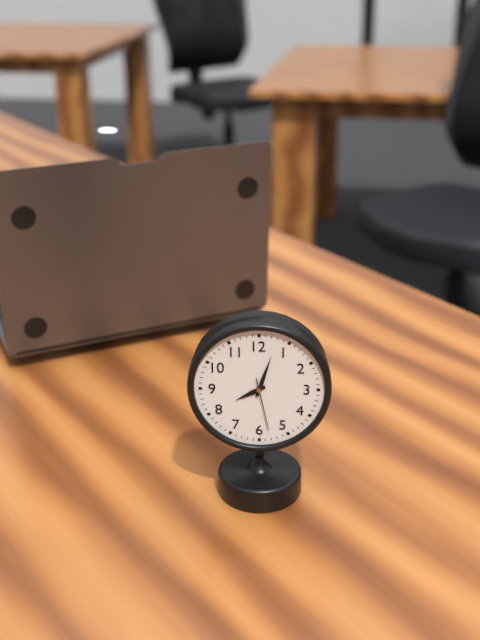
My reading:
8 h 03 min 28 s
